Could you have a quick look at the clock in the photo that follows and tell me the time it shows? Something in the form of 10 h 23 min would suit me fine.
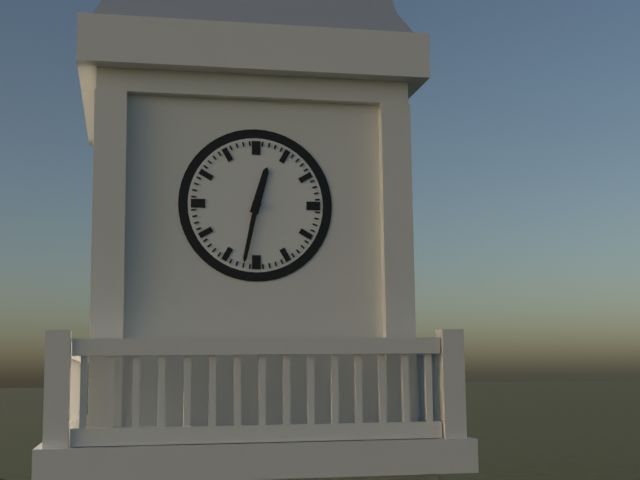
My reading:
12 h 32 min
